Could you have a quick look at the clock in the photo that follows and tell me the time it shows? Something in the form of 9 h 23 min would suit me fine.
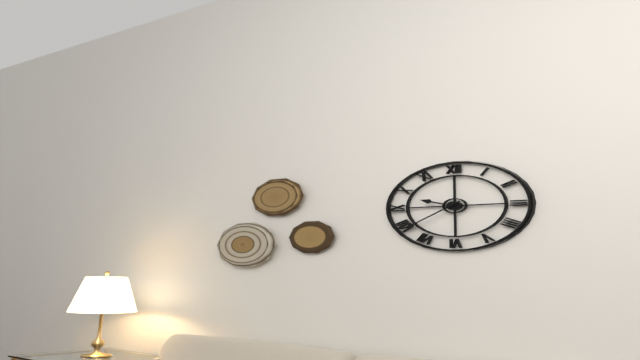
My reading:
9 h 39 min
